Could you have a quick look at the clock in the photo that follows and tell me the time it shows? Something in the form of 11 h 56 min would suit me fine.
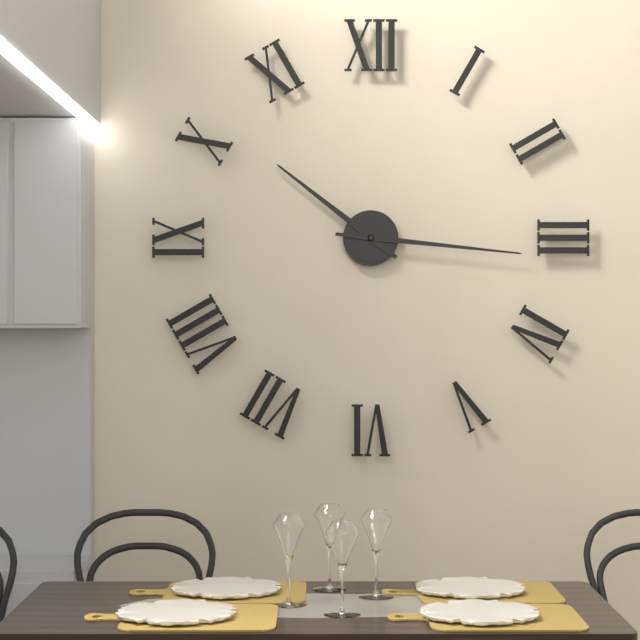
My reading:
10 h 16 min
